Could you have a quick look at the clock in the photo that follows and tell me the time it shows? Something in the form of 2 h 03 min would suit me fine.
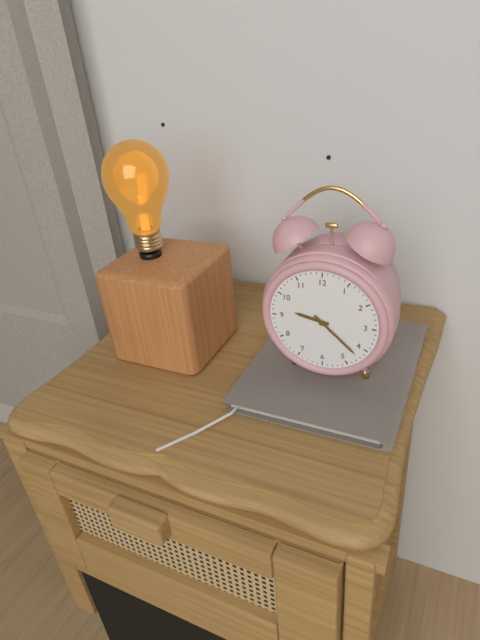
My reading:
9 h 22 min
